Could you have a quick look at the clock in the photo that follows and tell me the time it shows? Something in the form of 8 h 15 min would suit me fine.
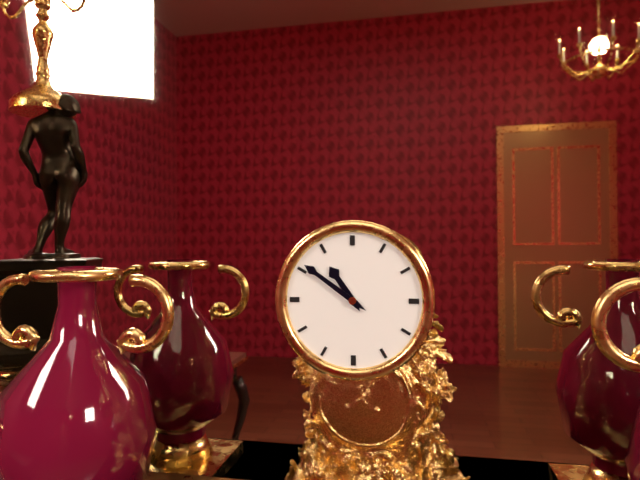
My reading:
10 h 51 min
